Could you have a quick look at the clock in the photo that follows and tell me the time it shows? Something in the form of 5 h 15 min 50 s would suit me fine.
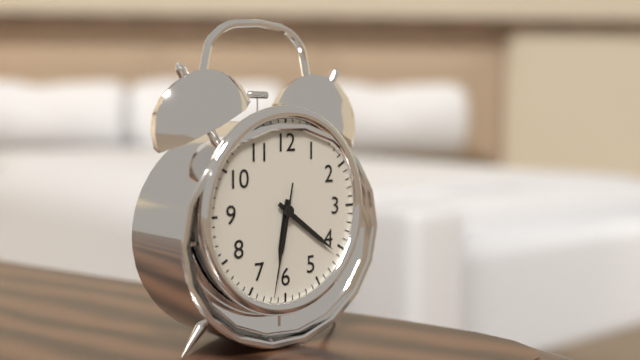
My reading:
6 h 21 min 32 s
